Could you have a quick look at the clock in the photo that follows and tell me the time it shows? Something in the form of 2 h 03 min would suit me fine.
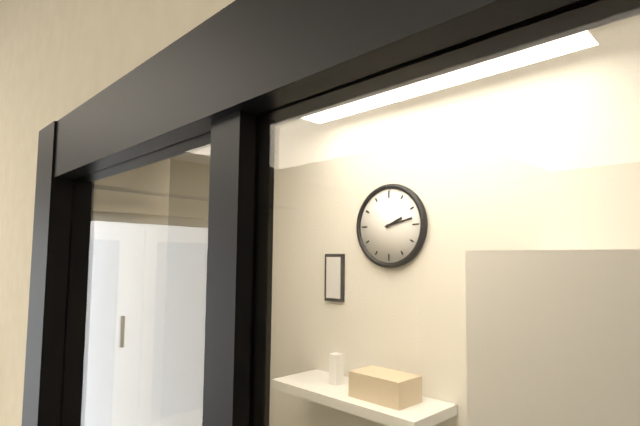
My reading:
2 h 13 min
